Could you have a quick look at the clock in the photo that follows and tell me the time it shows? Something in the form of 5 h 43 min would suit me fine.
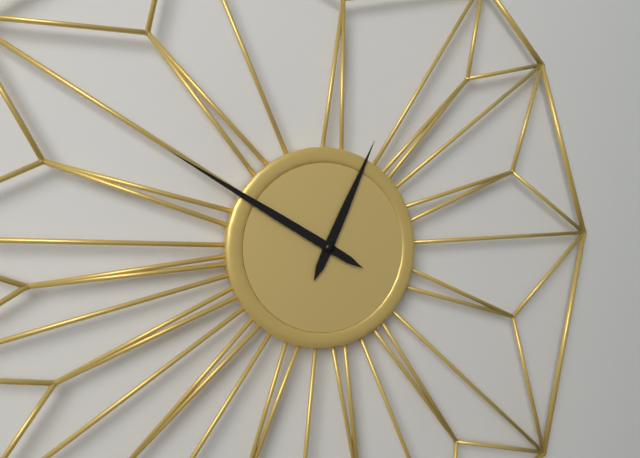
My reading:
12 h 50 min
